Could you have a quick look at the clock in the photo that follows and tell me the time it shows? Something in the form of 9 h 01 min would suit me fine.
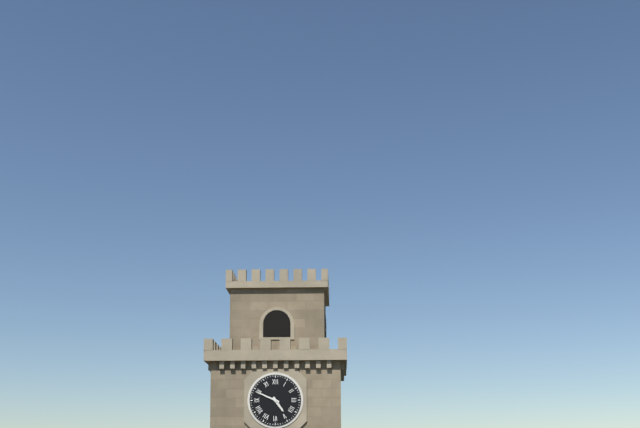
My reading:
4 h 49 min
